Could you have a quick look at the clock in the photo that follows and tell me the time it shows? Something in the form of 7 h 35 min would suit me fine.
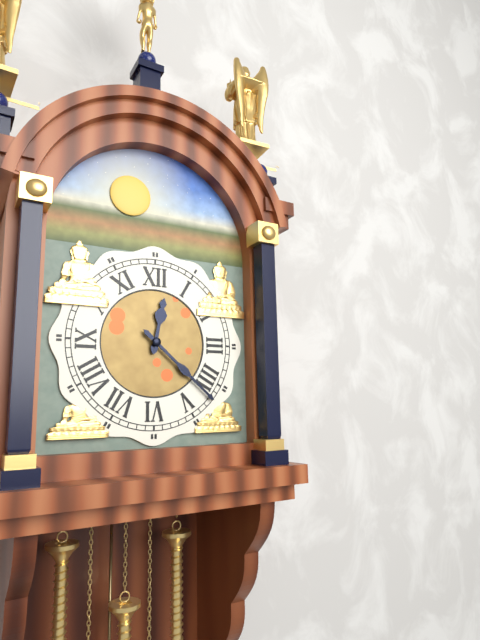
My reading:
12 h 22 min
